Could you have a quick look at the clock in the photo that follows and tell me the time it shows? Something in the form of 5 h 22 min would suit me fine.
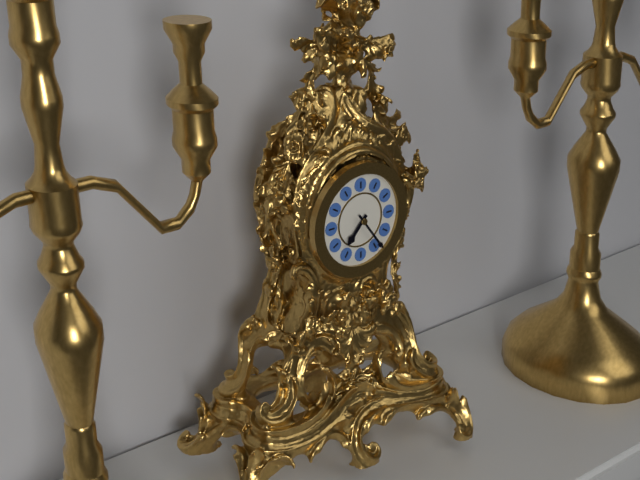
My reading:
7 h 24 min
